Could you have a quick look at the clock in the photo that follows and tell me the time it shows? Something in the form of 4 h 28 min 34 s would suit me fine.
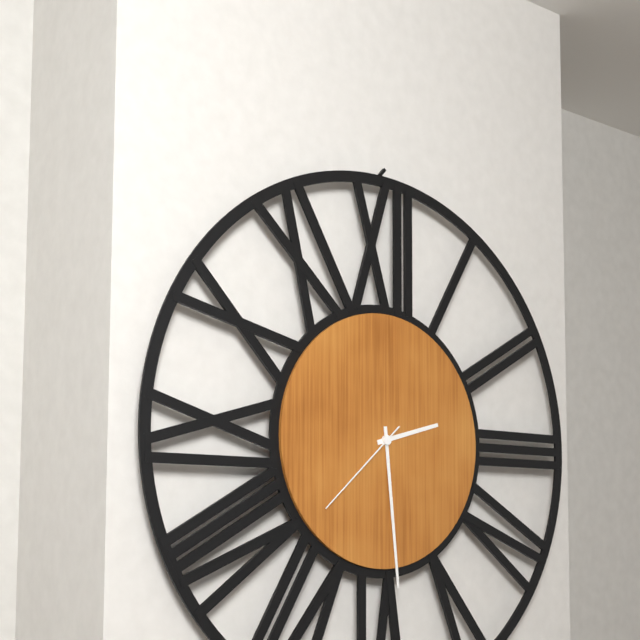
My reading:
2 h 29 min 38 s
